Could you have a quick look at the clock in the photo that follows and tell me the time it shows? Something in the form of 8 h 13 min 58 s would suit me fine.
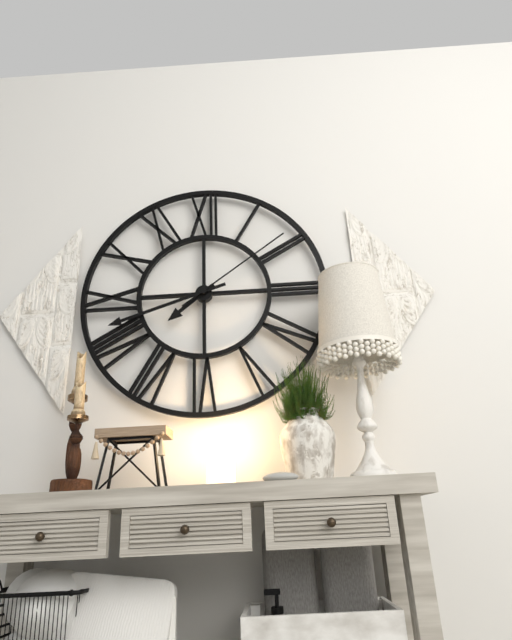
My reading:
7 h 42 min 09 s
